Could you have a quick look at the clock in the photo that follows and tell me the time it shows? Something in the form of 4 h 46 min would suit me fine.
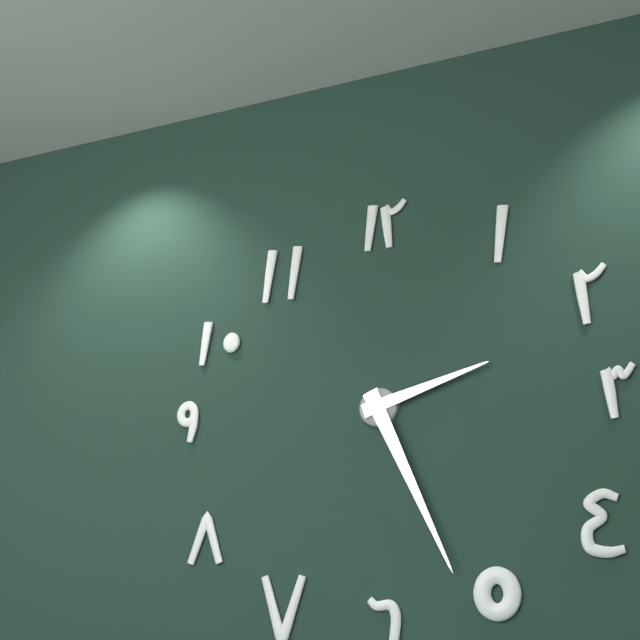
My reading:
2 h 26 min
